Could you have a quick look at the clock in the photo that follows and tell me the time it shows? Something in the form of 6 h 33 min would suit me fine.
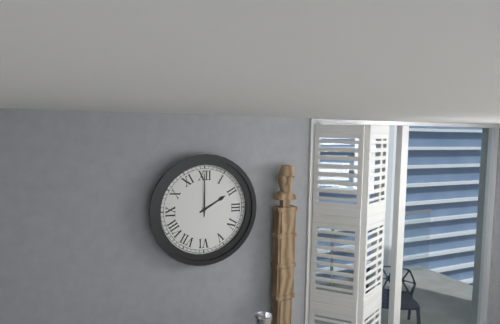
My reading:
2 h 00 min
